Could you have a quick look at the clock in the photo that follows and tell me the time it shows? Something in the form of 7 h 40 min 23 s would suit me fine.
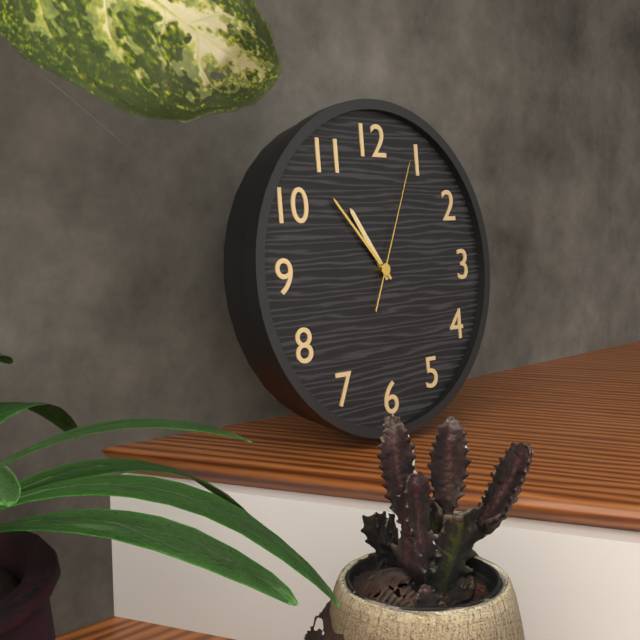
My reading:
10 h 53 min 04 s
